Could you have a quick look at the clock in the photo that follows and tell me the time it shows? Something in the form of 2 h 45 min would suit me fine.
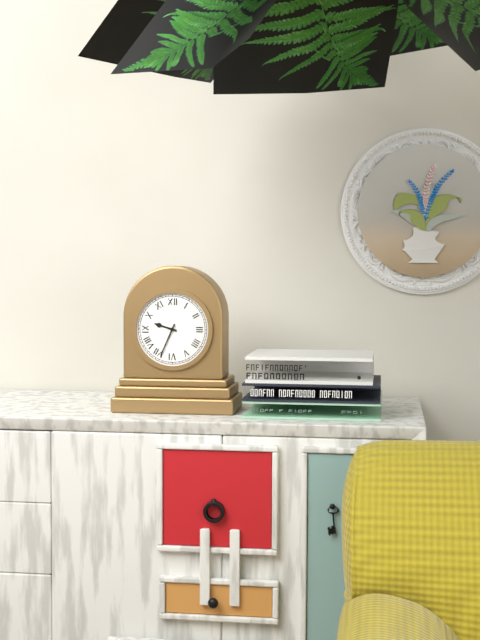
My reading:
9 h 34 min
